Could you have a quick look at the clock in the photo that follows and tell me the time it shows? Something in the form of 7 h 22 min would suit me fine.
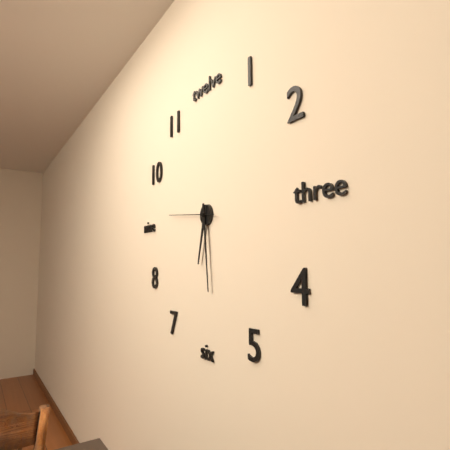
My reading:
6 h 29 min
